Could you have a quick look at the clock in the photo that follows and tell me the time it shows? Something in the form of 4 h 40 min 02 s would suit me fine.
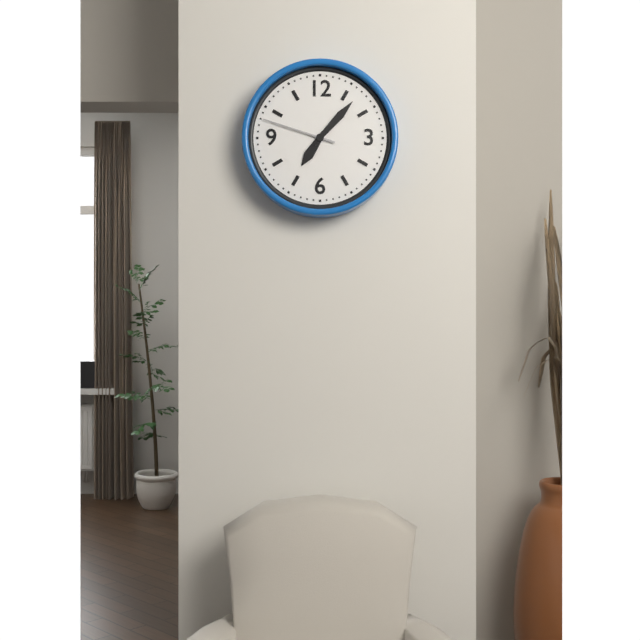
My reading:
7 h 07 min 48 s
